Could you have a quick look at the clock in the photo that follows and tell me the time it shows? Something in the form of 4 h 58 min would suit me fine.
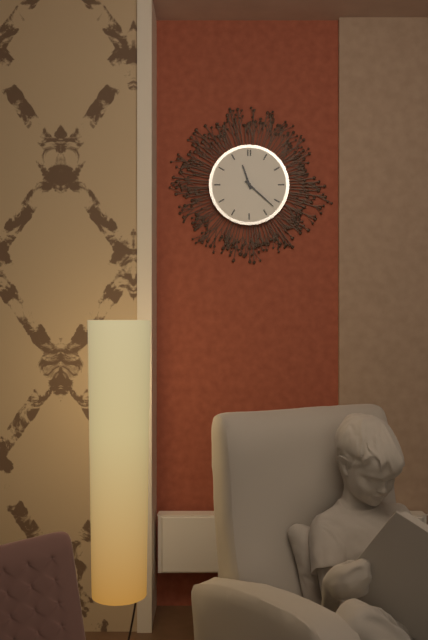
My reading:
11 h 22 min
